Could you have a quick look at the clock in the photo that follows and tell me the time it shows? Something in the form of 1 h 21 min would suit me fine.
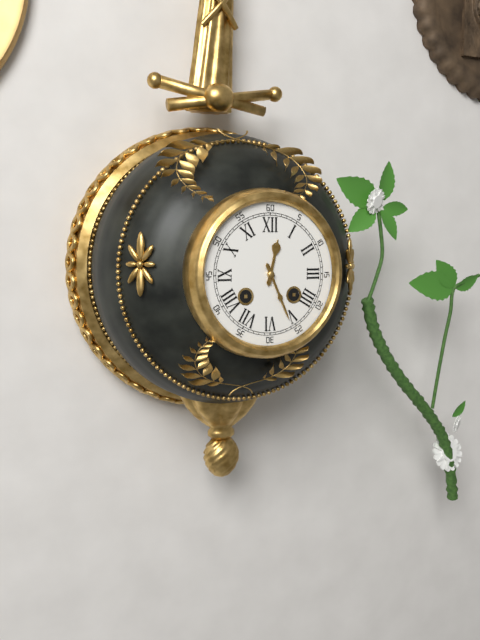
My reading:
12 h 26 min
